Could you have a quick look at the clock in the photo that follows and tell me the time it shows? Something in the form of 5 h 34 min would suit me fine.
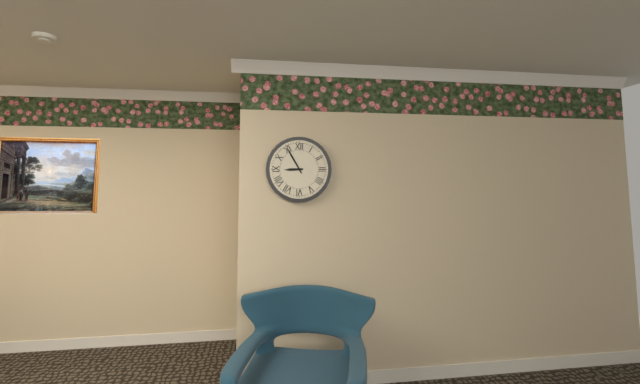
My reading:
8 h 55 min
